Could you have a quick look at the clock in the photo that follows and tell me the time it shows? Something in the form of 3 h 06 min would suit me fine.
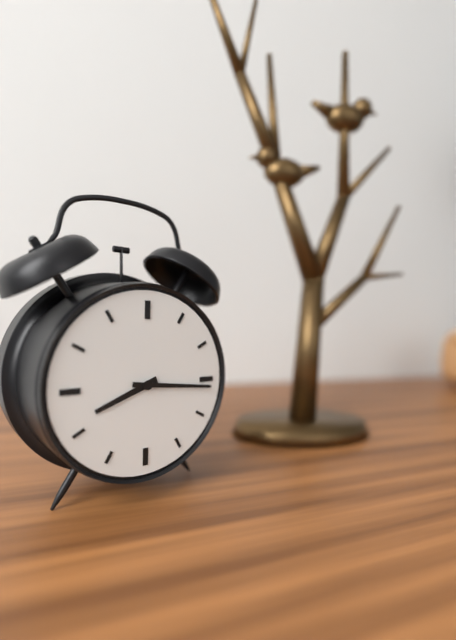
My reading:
8 h 16 min
